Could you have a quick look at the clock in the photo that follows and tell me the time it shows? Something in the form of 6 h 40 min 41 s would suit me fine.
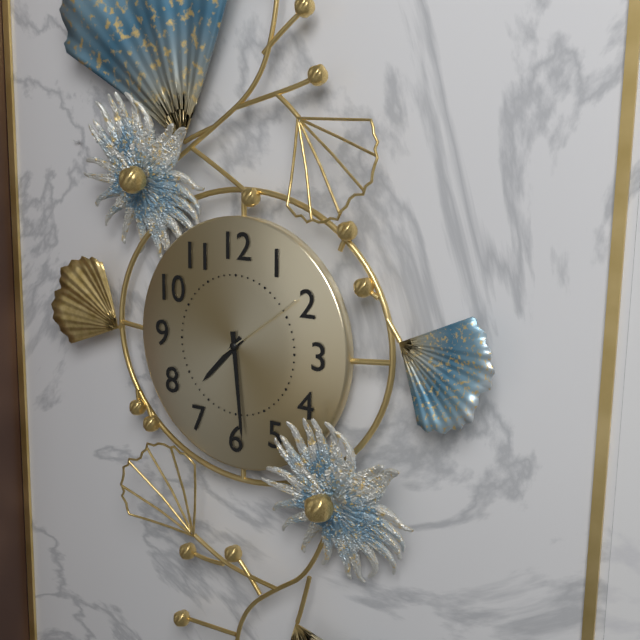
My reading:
7 h 29 min 09 s
